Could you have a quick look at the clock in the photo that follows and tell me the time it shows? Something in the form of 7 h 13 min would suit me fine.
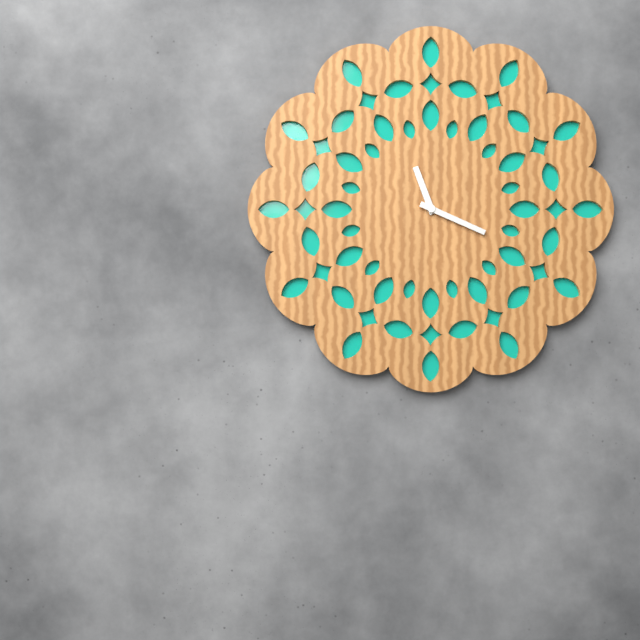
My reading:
11 h 19 min
